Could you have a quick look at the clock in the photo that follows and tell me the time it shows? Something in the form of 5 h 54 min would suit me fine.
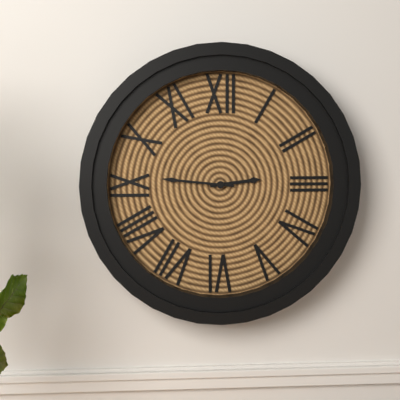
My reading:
2 h 46 min
